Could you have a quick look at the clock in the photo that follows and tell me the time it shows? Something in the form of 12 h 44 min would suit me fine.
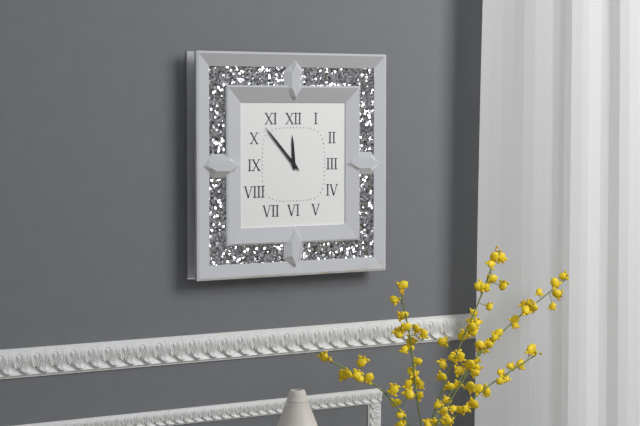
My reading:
11 h 53 min
